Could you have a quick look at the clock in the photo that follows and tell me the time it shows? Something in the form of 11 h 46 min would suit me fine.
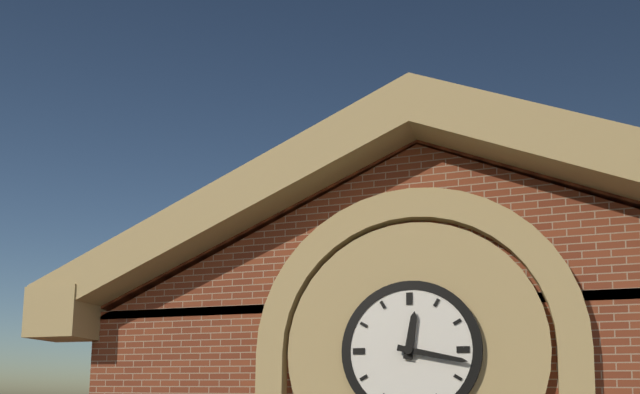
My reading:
12 h 17 min
